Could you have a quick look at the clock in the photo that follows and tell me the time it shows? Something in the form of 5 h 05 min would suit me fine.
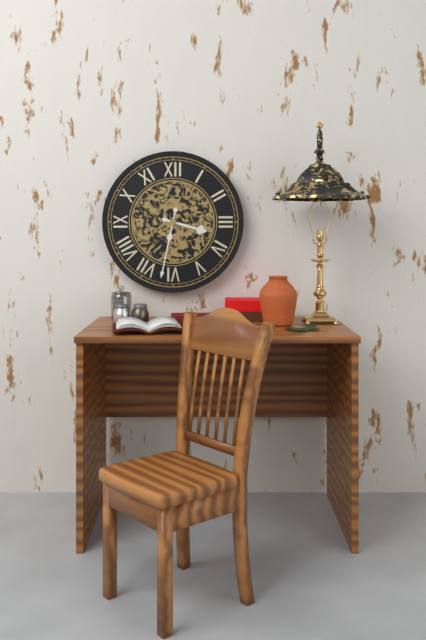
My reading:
3 h 32 min
